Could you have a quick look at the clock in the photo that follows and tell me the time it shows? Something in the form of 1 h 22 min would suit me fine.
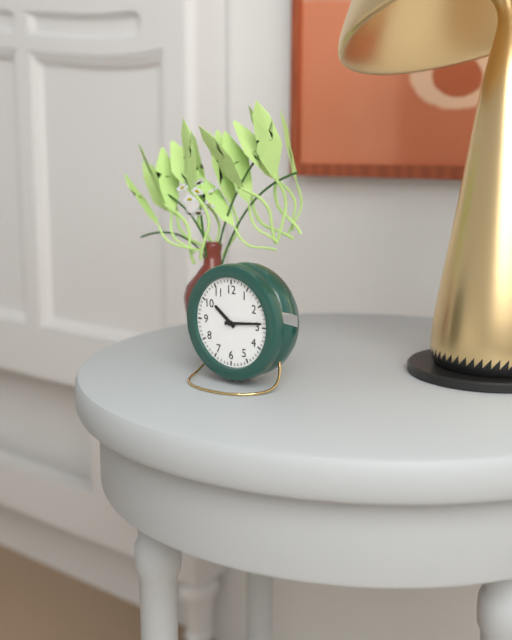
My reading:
10 h 14 min
